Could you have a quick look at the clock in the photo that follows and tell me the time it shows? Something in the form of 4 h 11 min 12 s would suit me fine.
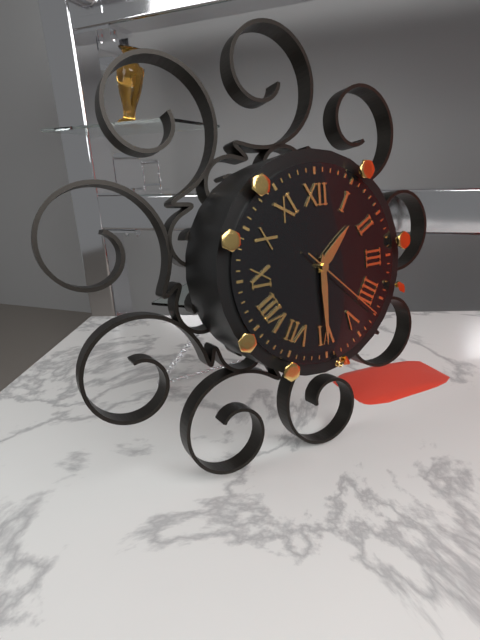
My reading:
1 h 30 min 22 s
